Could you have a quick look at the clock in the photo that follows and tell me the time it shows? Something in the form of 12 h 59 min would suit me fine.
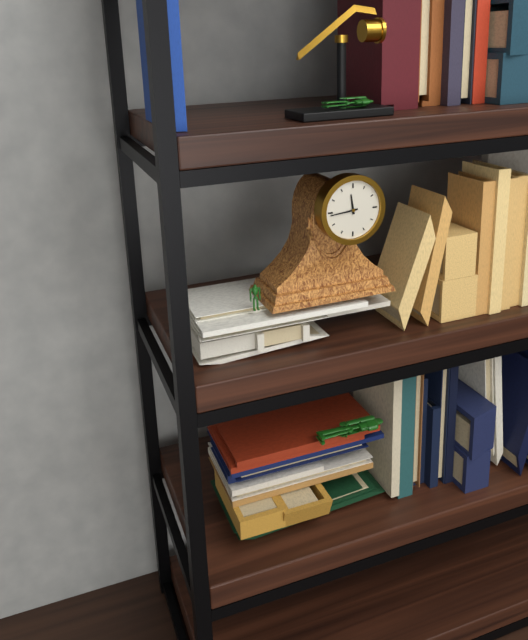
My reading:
11 h 44 min
